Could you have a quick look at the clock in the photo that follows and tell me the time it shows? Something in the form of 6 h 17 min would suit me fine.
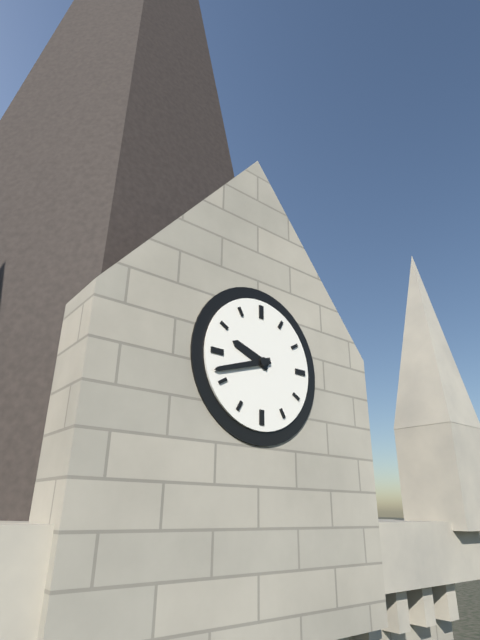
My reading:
9 h 42 min
